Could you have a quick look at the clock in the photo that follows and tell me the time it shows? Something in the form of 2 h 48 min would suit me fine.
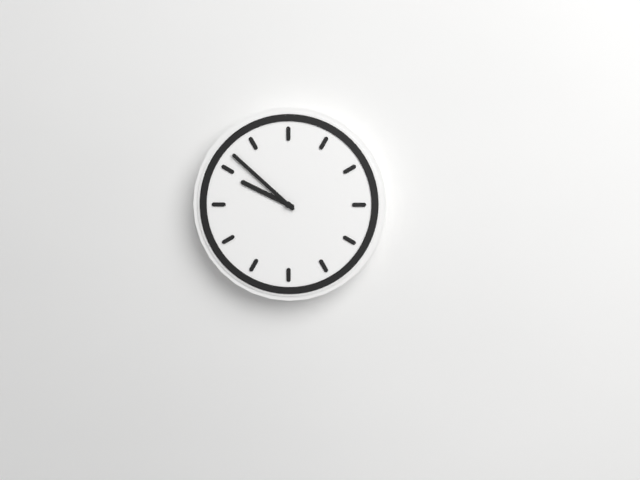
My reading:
9 h 52 min
